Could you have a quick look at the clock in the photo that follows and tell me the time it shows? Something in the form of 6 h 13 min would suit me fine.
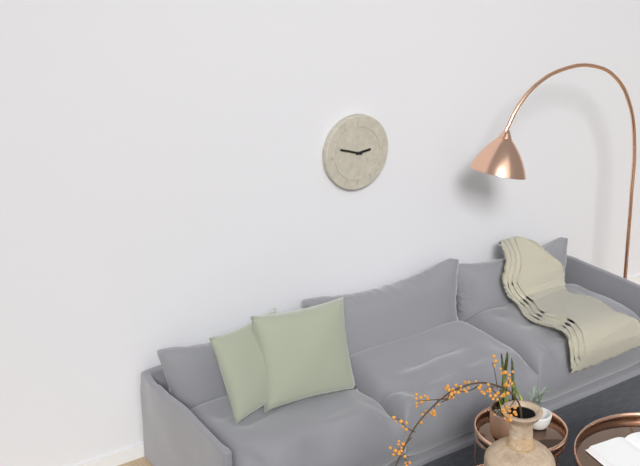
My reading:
2 h 48 min
